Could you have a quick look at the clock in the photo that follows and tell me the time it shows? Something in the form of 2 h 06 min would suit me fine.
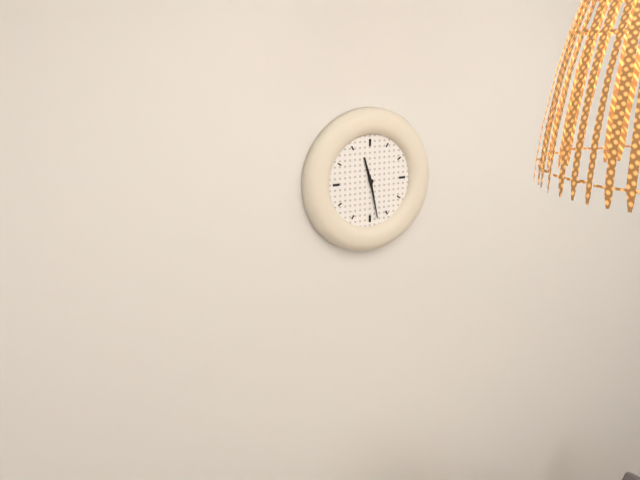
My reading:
11 h 28 min
